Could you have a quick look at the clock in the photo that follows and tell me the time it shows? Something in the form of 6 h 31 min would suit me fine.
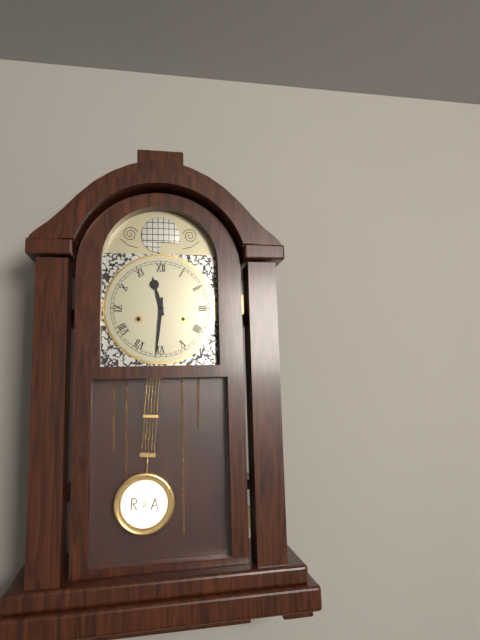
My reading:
11 h 31 min
